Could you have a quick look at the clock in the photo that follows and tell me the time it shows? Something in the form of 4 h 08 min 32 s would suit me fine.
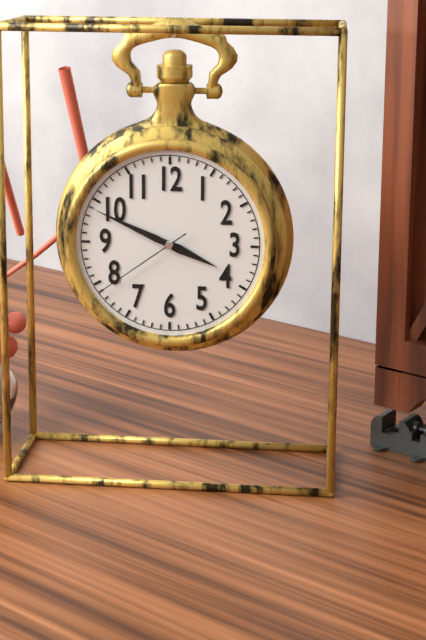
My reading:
3 h 49 min 39 s
